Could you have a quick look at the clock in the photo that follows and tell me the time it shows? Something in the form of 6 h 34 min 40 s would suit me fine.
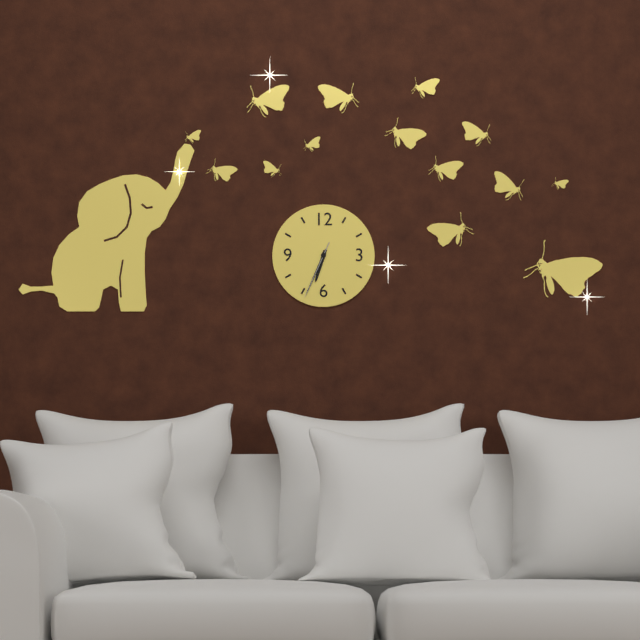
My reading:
6 h 34 min 34 s
